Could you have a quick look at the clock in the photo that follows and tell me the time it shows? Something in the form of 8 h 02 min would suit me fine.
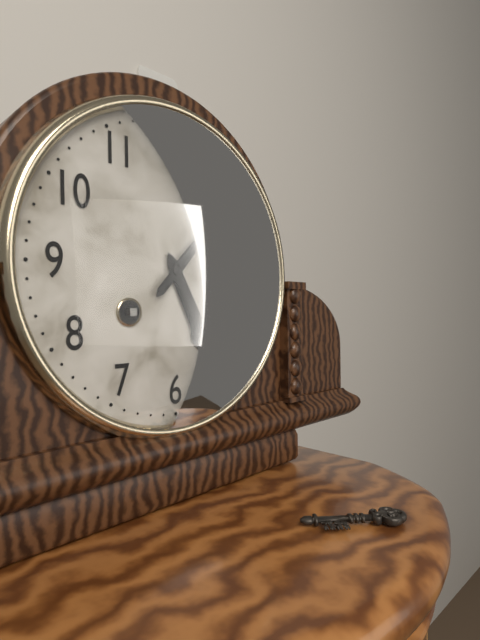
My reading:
5 h 07 min
